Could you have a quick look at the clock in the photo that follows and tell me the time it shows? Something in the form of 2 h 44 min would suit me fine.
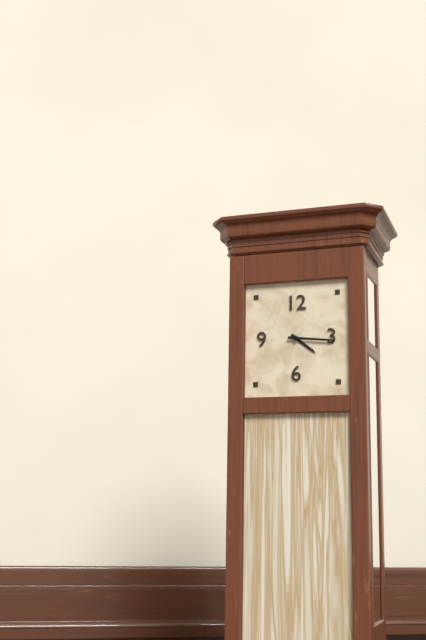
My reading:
4 h 16 min
